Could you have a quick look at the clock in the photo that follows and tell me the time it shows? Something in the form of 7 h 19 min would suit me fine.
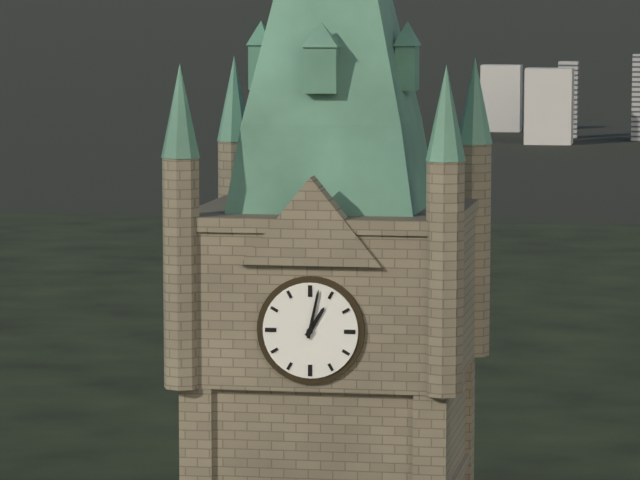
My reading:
1 h 02 min
